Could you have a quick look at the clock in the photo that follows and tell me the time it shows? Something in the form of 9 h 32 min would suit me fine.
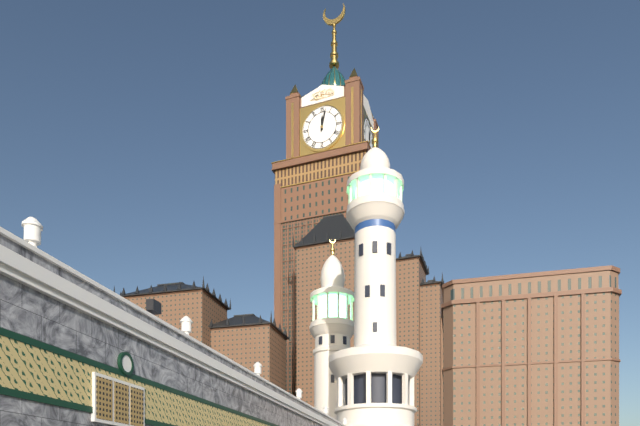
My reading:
12 h 02 min
